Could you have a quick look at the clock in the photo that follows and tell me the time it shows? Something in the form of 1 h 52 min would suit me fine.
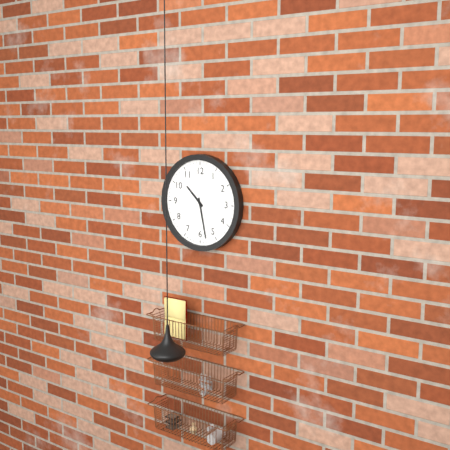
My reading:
10 h 28 min
